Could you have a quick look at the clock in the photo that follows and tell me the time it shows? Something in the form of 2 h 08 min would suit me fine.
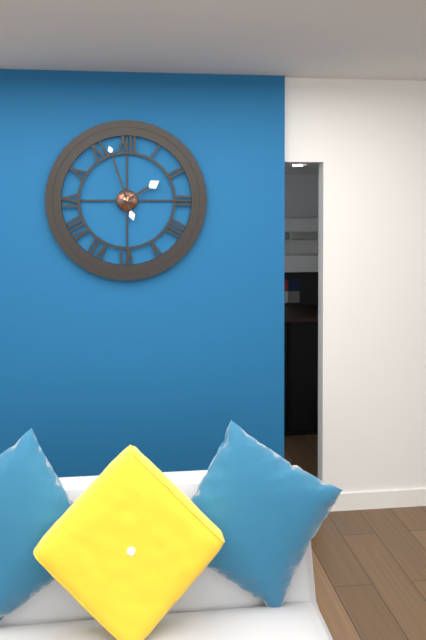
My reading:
1 h 57 min
